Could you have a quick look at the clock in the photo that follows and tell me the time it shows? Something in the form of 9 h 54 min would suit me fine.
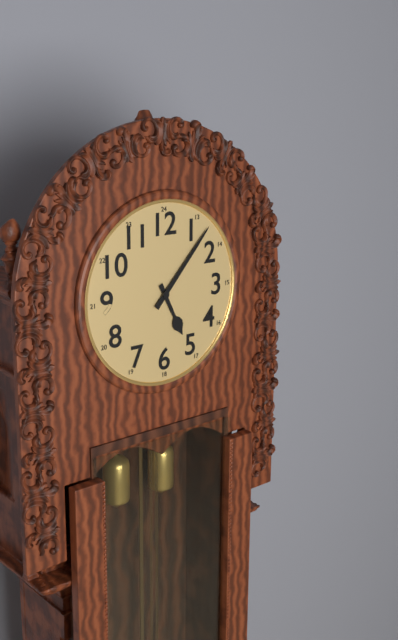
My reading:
5 h 07 min
